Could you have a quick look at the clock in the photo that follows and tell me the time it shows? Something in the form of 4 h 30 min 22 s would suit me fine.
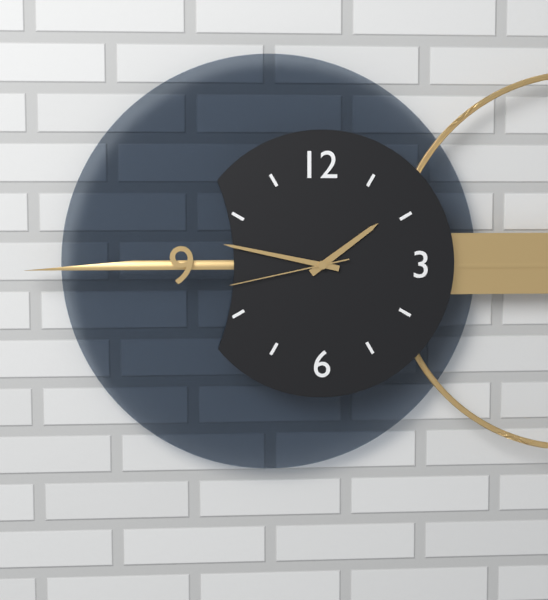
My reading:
1 h 47 min 43 s
